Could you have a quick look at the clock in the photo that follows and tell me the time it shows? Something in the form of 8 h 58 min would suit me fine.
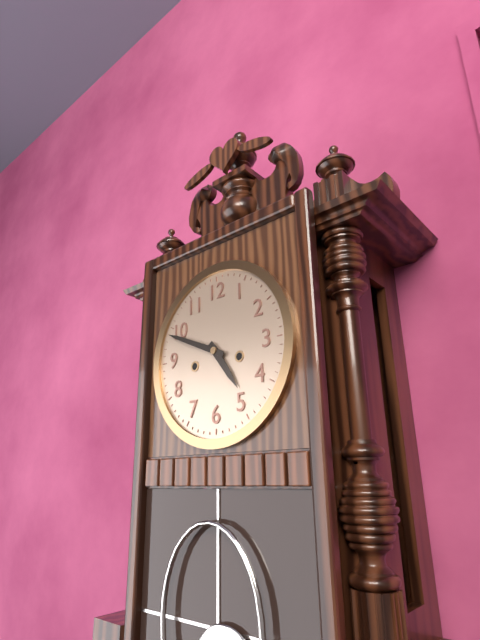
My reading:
4 h 49 min
